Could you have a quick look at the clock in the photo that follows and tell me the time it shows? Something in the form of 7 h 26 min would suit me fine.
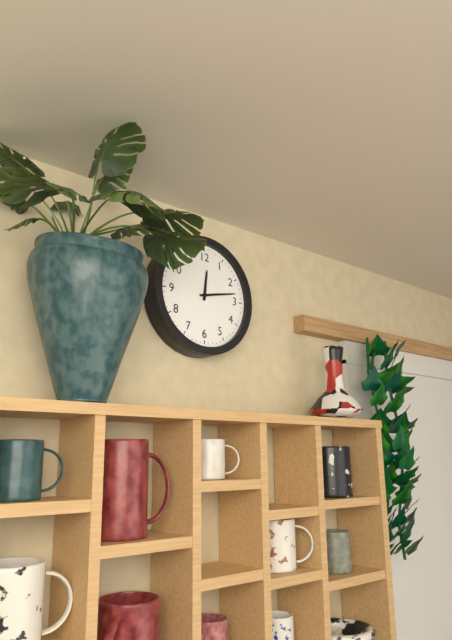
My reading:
12 h 13 min
